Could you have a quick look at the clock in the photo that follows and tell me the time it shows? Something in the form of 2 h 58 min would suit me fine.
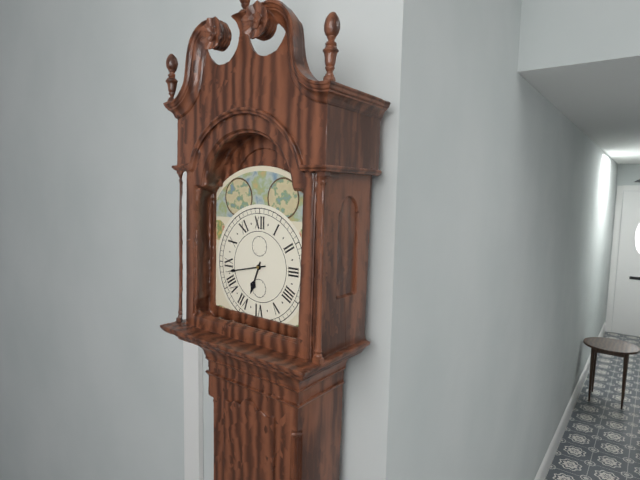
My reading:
6 h 43 min
